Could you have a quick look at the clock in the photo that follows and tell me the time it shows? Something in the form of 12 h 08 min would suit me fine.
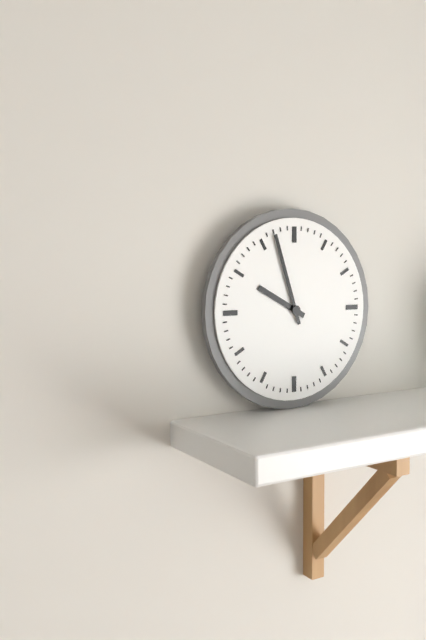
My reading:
9 h 57 min
